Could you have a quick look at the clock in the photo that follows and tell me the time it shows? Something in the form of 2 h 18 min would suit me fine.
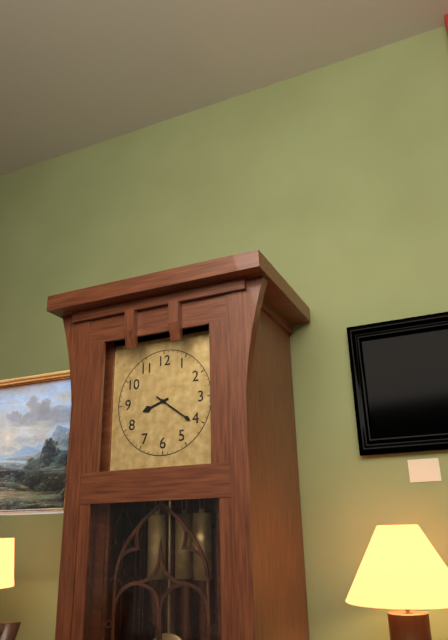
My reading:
8 h 21 min
